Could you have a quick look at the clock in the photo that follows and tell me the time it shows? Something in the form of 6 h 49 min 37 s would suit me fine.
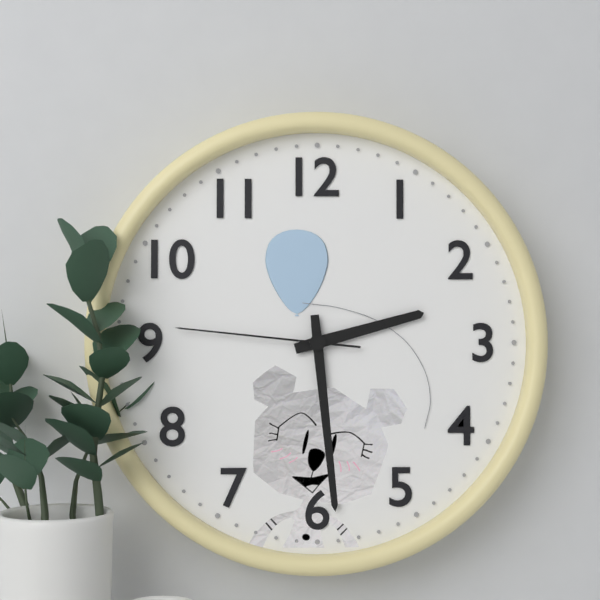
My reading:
2 h 29 min 46 s
